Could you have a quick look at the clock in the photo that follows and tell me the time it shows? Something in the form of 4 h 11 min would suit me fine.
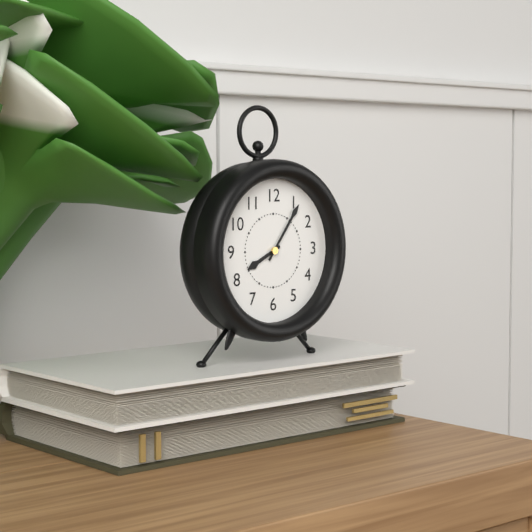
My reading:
8 h 06 min
